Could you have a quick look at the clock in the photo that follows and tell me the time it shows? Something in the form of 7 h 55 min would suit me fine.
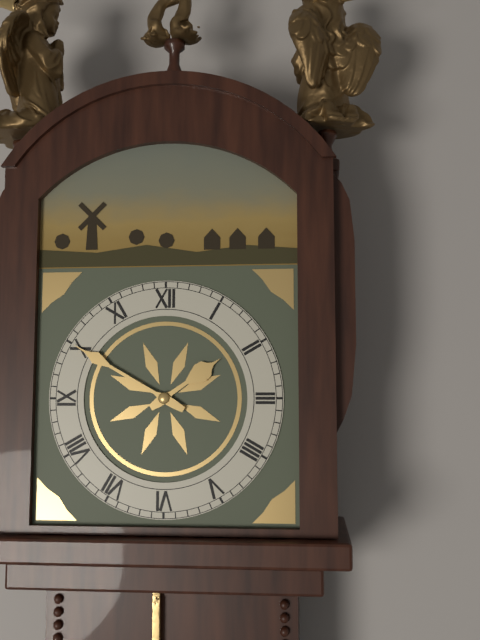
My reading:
1 h 50 min
